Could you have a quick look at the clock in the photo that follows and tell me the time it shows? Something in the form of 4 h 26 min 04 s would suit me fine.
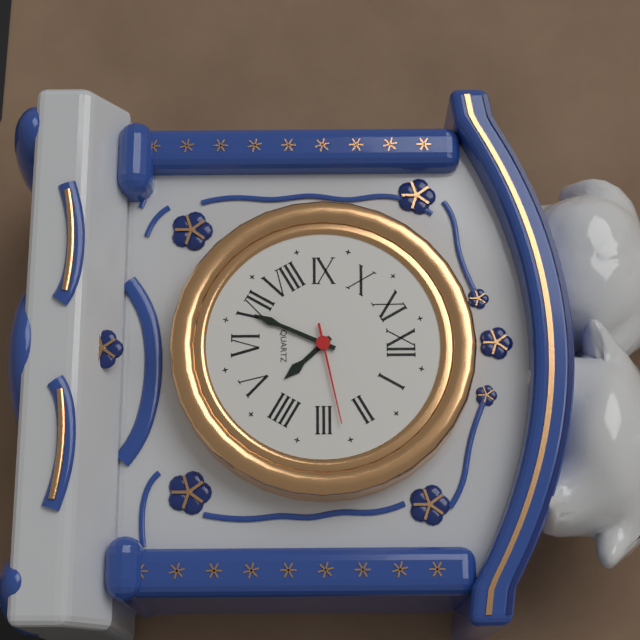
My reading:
4 h 34 min 13 s
